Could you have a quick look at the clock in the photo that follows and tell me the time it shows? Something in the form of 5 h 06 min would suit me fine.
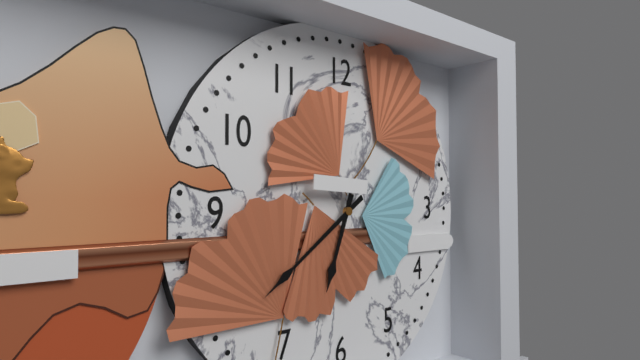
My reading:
6 h 39 min
